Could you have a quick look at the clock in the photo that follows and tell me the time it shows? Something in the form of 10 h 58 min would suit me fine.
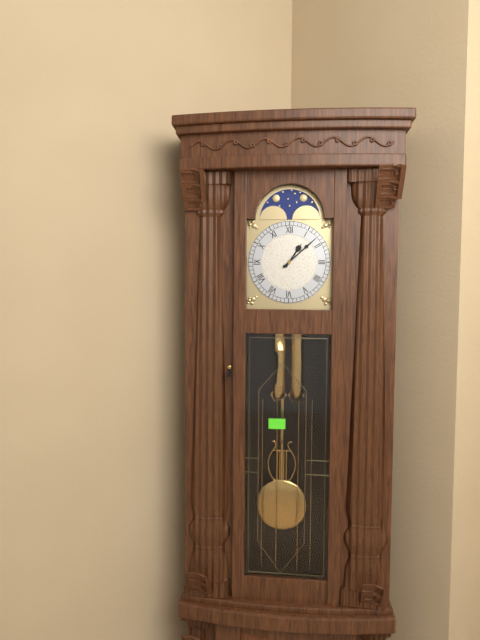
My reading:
1 h 08 min
